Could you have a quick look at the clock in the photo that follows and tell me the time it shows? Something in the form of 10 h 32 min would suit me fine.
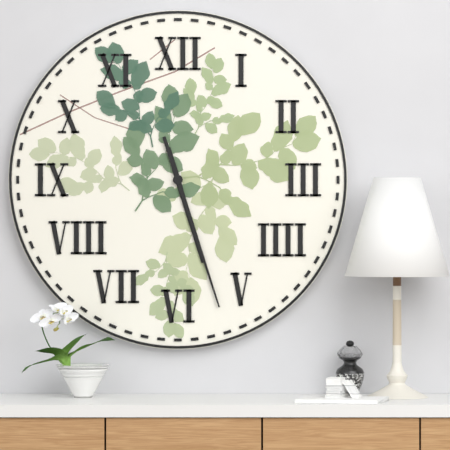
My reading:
5 h 27 min
